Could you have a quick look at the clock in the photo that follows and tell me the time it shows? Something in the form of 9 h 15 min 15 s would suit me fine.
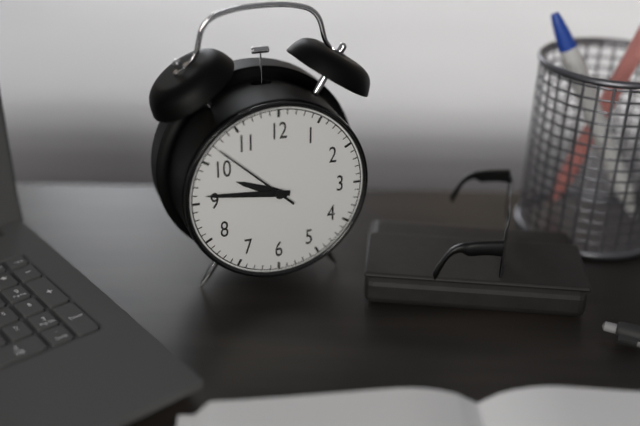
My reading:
9 h 46 min 52 s
